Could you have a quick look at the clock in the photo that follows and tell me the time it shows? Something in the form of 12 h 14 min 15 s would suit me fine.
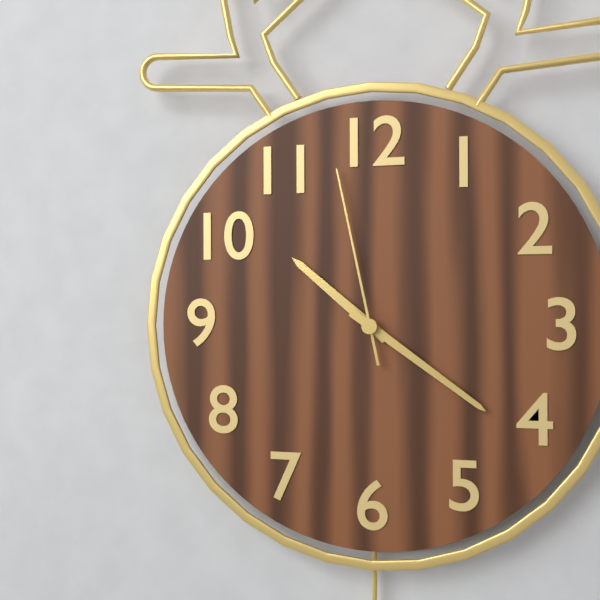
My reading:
10 h 21 min 58 s
